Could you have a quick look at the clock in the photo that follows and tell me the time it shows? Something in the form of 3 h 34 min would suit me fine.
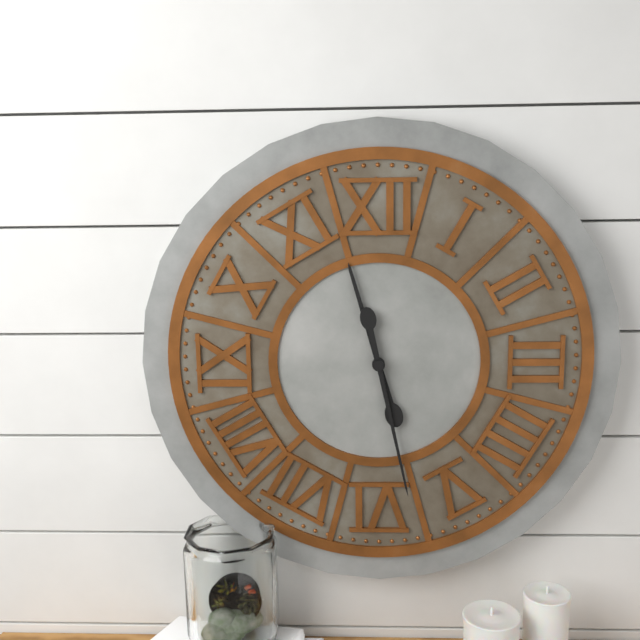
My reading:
11 h 28 min
